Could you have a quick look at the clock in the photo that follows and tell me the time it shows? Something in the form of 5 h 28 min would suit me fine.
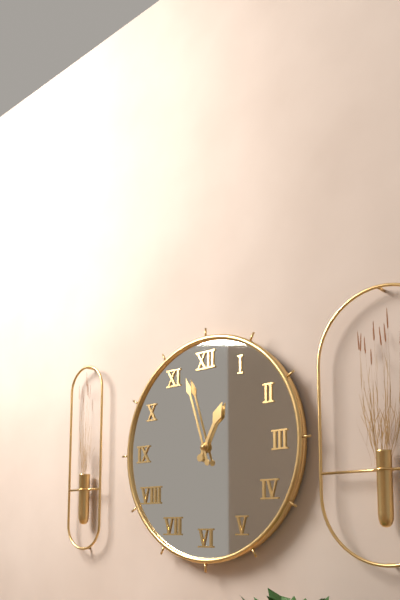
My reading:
12 h 57 min
